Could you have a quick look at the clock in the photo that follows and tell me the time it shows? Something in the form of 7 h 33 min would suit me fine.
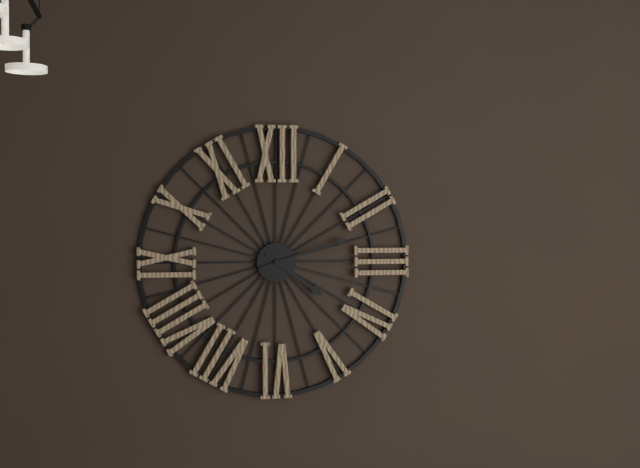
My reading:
4 h 12 min
